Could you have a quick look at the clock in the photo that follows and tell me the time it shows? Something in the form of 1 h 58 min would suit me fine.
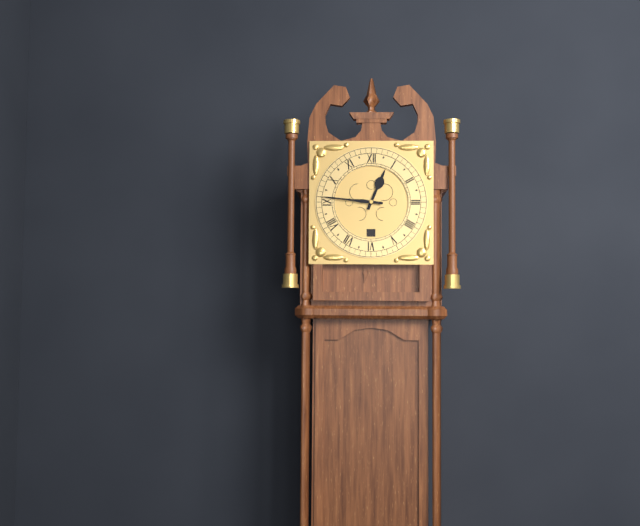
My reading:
12 h 46 min
